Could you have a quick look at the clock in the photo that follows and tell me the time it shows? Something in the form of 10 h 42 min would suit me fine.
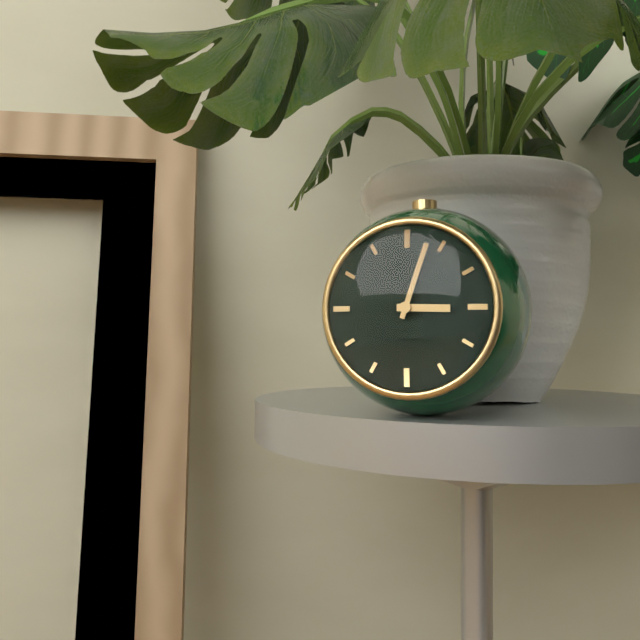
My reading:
3 h 03 min
